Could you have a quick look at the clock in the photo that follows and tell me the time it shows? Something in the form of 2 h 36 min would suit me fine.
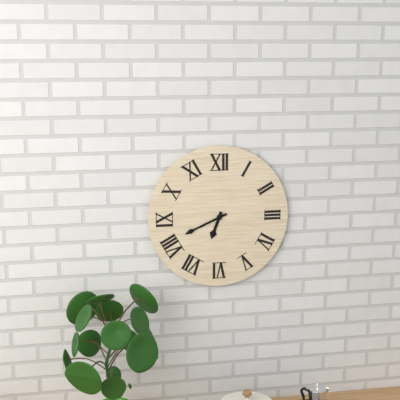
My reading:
6 h 41 min
